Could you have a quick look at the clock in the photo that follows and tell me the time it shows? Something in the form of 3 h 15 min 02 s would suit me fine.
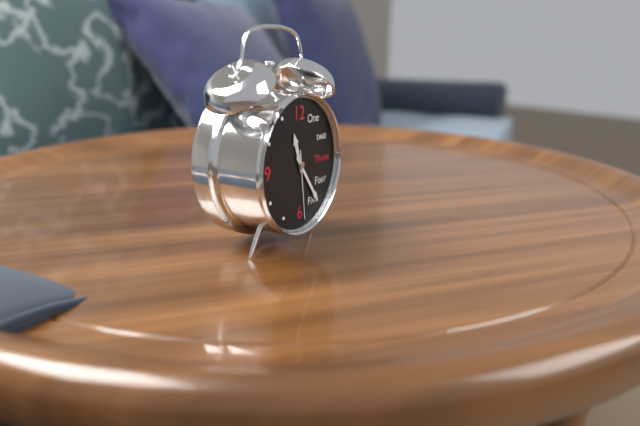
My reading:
11 h 24 min 29 s
